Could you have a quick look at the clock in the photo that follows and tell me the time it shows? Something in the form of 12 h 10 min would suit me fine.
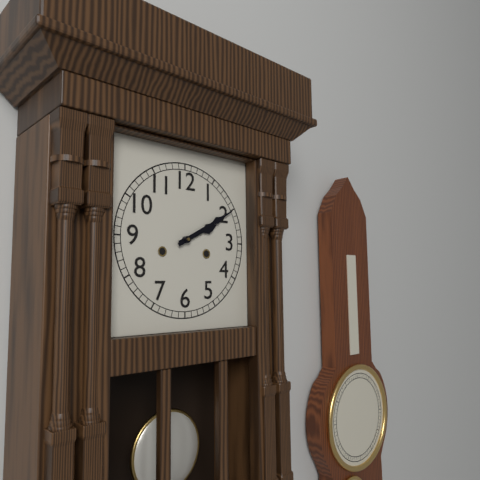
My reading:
2 h 10 min
